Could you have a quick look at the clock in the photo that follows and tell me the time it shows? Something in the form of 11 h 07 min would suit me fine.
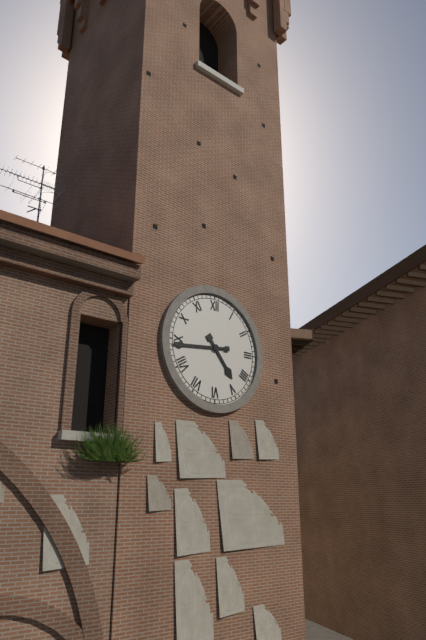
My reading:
4 h 44 min
